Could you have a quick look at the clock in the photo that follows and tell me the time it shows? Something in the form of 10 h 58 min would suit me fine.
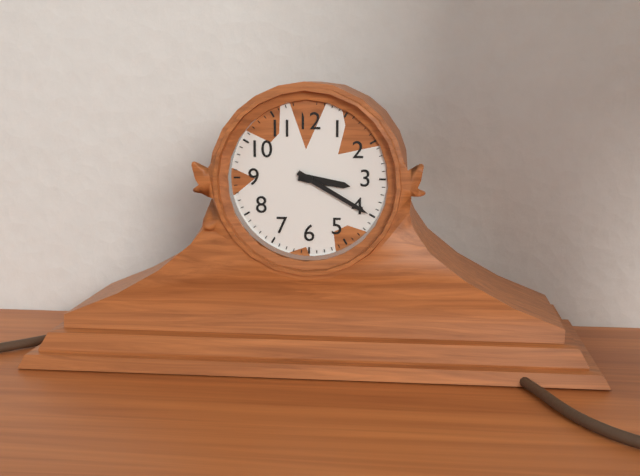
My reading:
3 h 20 min
